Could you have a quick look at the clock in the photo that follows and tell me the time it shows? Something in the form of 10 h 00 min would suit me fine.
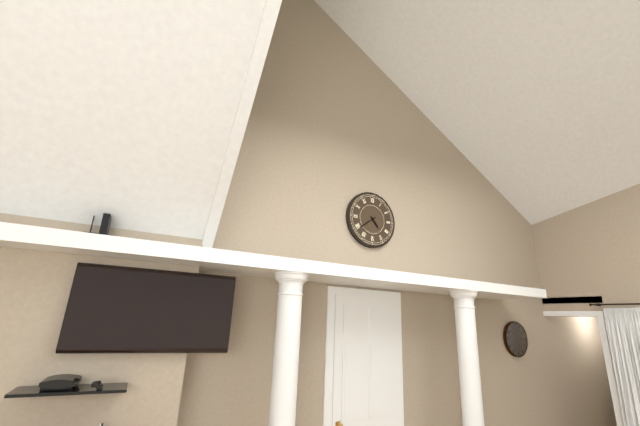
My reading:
4 h 39 min
